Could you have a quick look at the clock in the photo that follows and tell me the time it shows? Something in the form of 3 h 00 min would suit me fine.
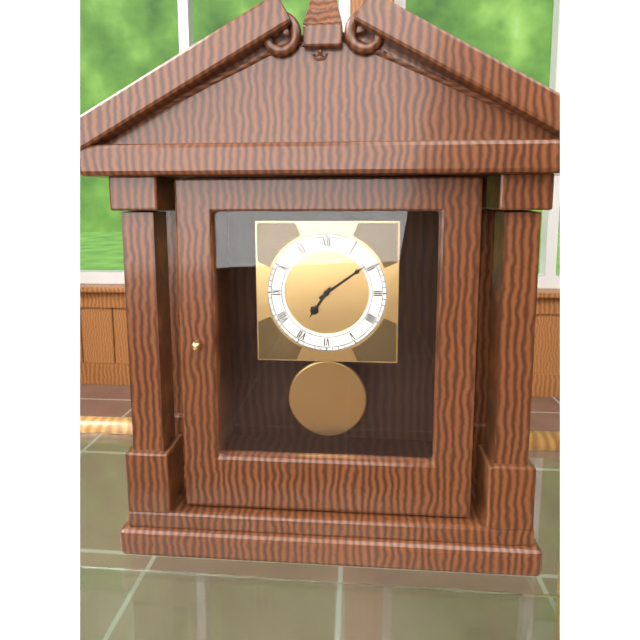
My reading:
7 h 09 min
